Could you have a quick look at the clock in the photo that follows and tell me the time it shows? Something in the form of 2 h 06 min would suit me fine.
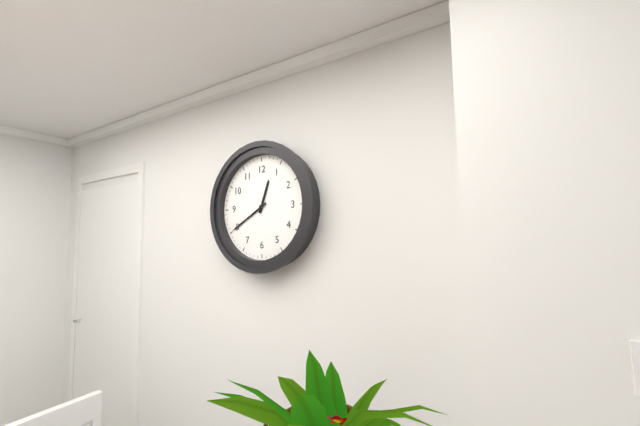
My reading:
12 h 40 min
